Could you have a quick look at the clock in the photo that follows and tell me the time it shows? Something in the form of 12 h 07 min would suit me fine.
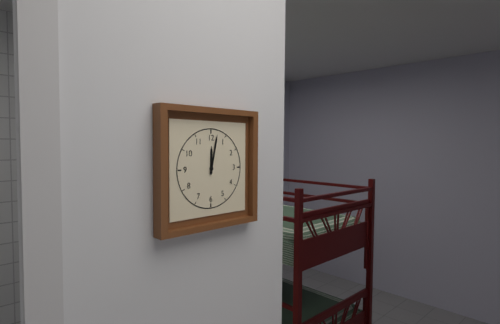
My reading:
12 h 02 min
